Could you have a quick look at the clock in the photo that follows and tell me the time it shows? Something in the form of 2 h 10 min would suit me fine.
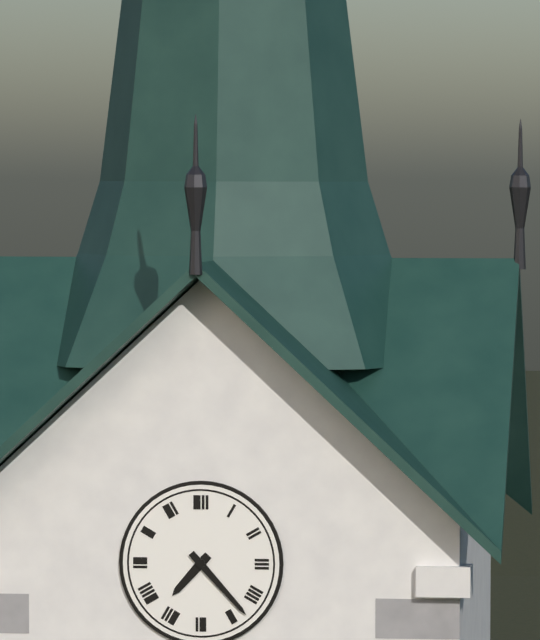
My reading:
7 h 23 min
